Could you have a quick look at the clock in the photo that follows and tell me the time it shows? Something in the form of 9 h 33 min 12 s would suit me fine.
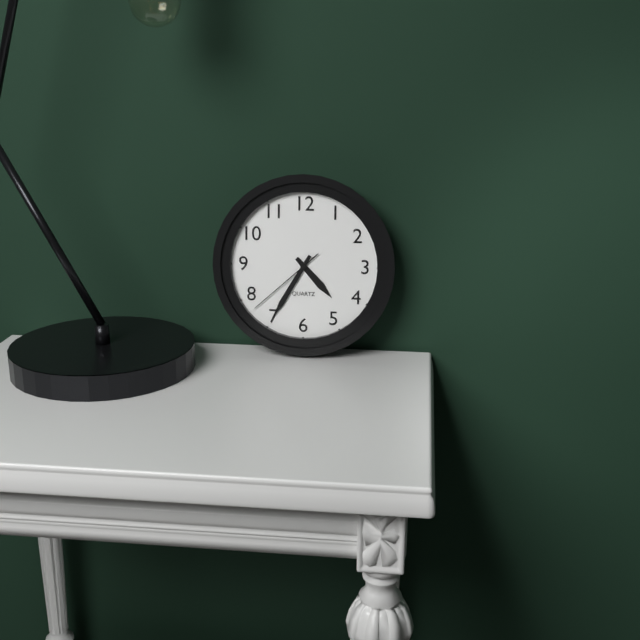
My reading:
4 h 35 min 38 s
